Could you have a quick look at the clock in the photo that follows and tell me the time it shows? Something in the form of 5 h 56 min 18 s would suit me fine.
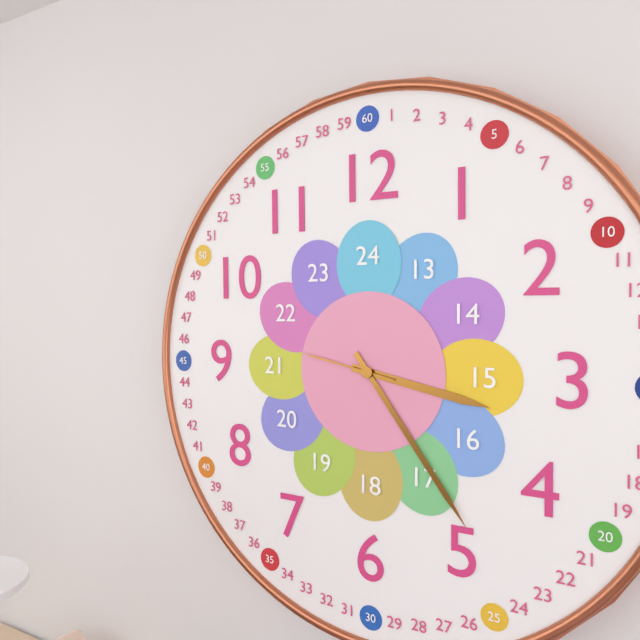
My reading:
3 h 24 min 47 s
